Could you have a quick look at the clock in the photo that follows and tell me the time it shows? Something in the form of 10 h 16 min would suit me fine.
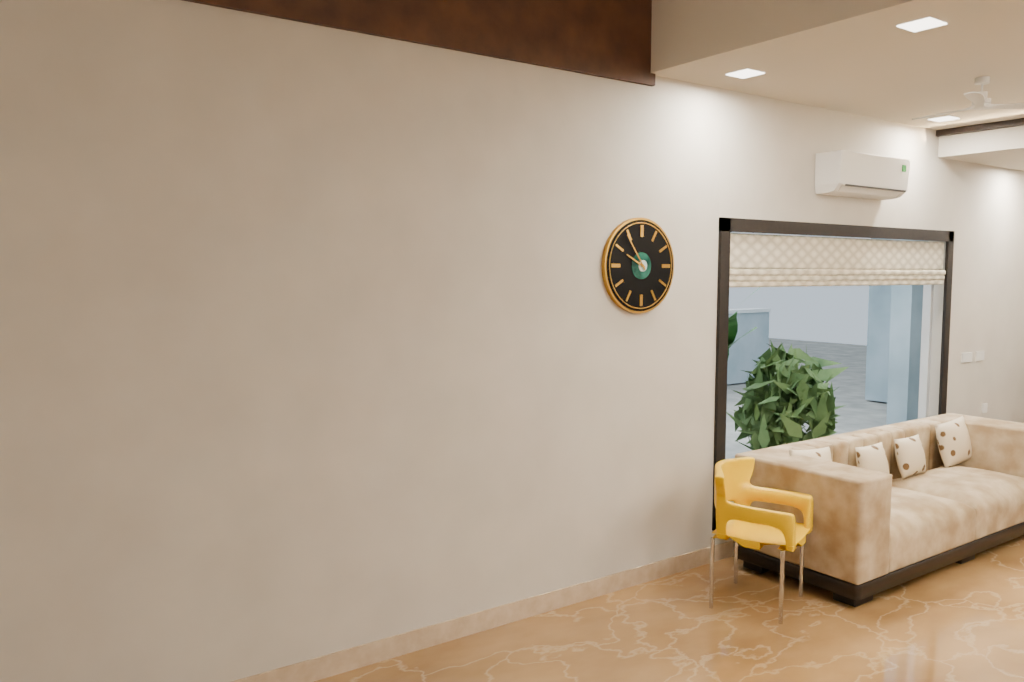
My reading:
9 h 54 min
